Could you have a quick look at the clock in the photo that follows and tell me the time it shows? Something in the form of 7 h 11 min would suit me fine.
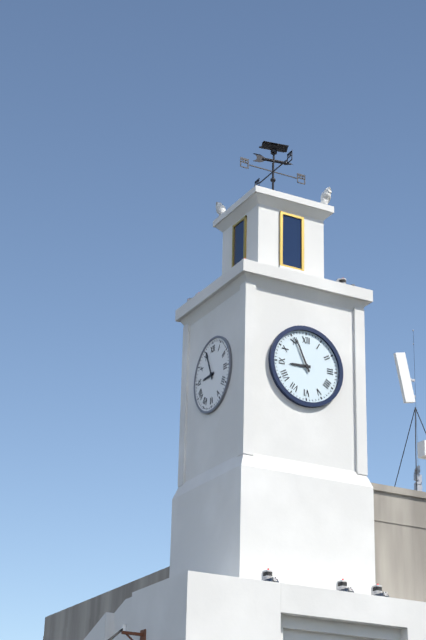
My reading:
8 h 56 min
